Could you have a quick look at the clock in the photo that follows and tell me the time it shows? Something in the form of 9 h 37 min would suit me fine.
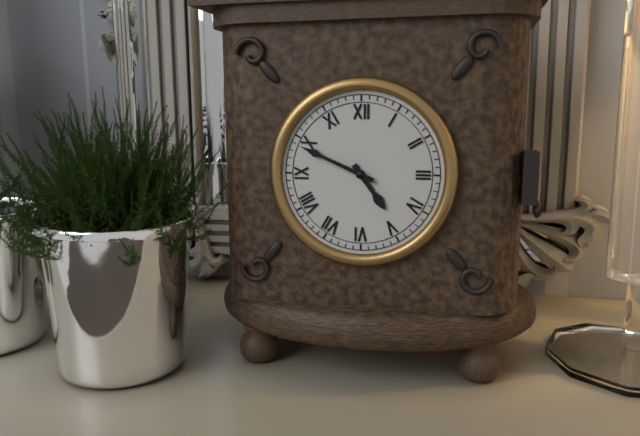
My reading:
4 h 49 min
